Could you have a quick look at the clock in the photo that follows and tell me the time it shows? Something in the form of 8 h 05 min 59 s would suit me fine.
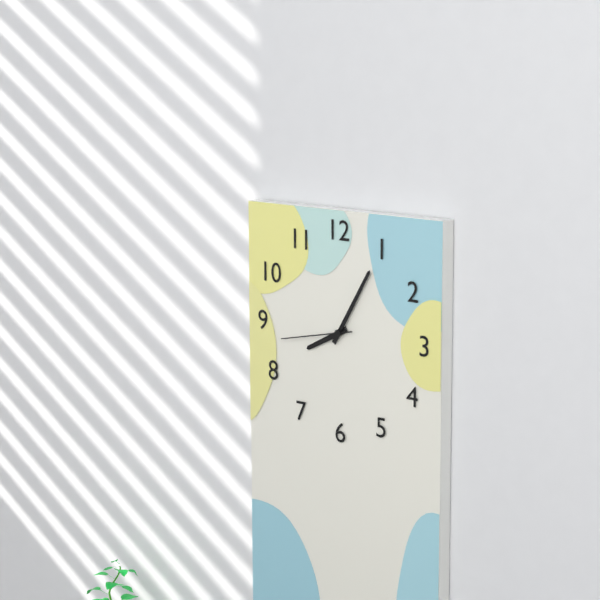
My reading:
8 h 05 min 43 s
